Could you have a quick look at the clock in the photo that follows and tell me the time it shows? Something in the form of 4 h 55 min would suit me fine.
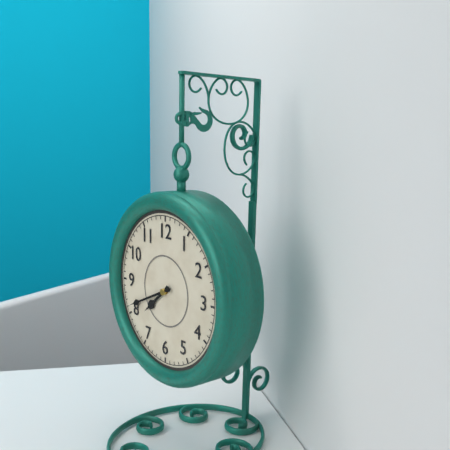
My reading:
7 h 41 min
